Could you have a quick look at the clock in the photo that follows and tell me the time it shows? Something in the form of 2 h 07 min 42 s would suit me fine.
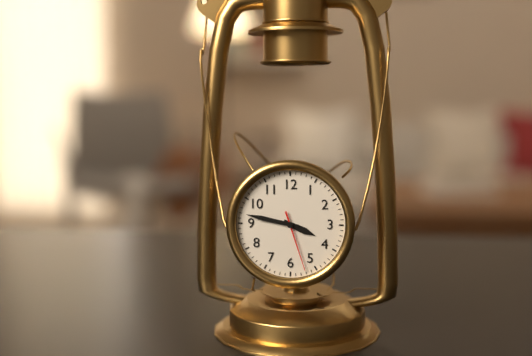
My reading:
3 h 47 min 27 s
